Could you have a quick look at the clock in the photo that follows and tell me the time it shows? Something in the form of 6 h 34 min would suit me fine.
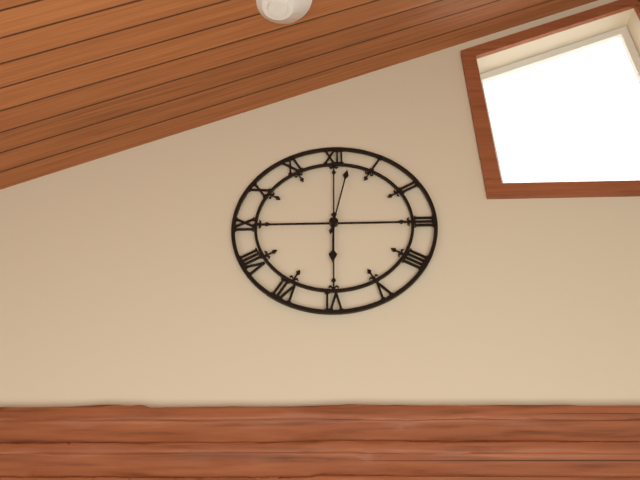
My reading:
6 h 02 min
